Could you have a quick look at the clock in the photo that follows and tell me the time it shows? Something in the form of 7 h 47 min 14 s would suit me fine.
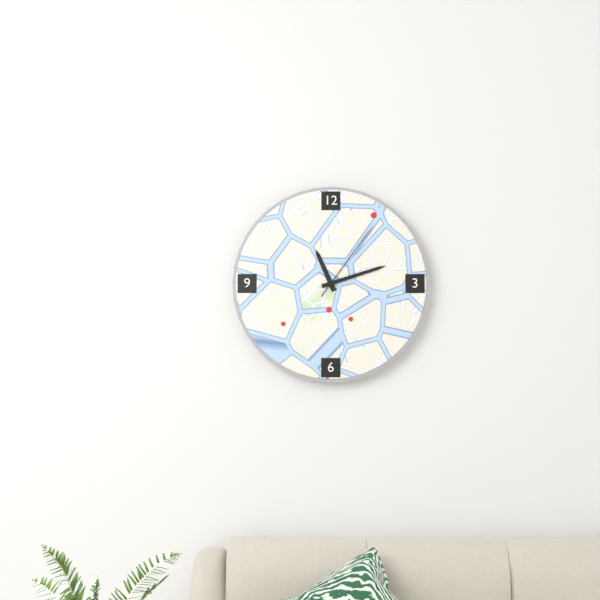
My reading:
11 h 12 min 06 s
